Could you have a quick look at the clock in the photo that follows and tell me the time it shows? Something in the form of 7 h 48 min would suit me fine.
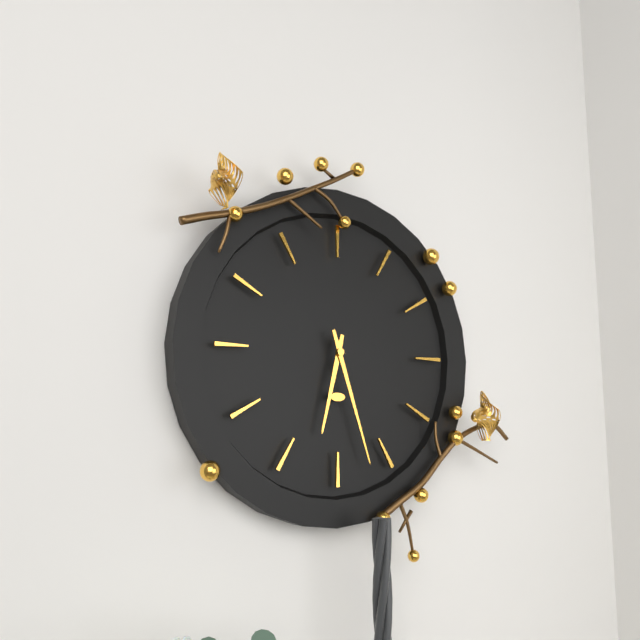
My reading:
6 h 27 min
